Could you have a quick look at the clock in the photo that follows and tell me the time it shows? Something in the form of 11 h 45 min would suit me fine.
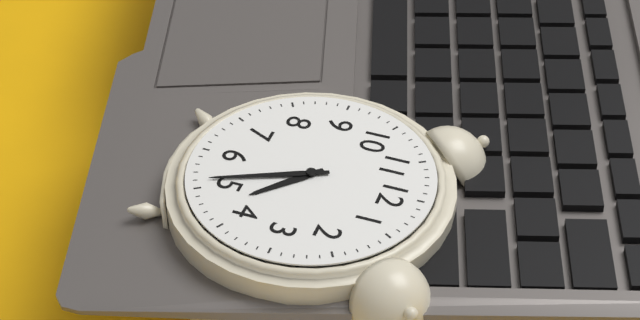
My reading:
4 h 26 min
